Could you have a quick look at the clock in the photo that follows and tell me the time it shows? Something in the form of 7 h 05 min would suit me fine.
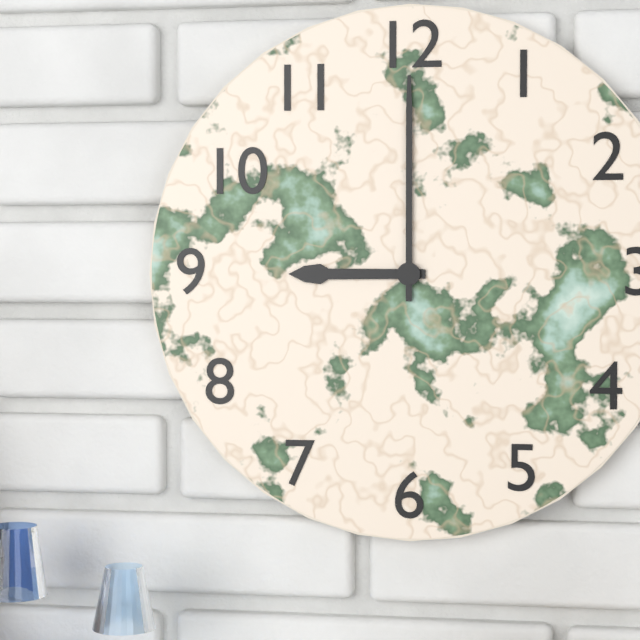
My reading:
9 h 00 min
